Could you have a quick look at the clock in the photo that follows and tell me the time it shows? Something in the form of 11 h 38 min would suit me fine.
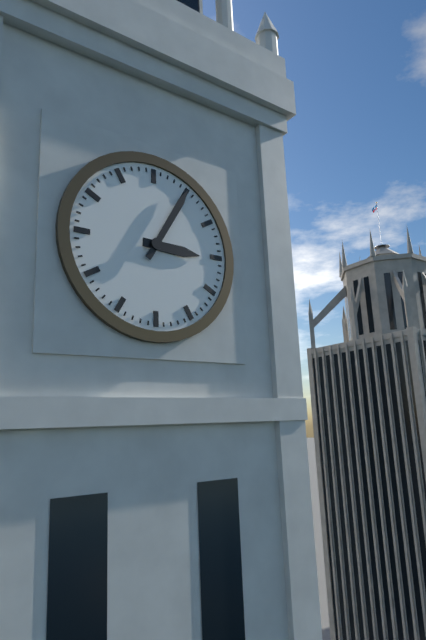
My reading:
3 h 05 min
